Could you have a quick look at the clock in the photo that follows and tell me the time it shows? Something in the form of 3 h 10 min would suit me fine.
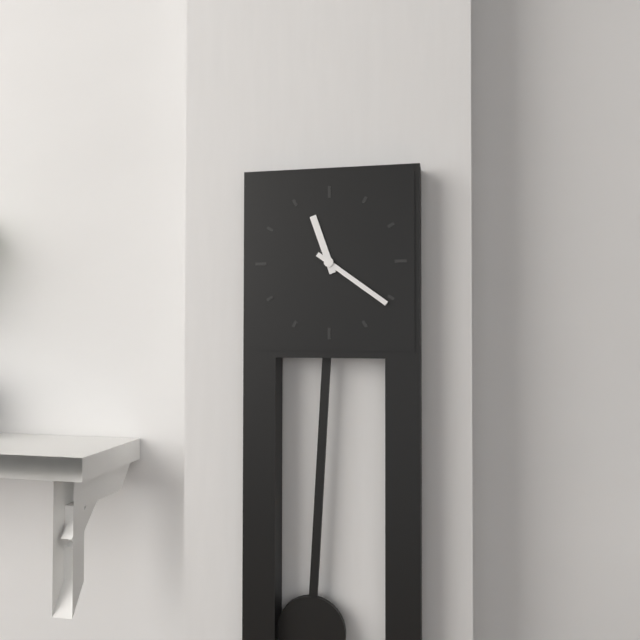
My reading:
11 h 21 min
